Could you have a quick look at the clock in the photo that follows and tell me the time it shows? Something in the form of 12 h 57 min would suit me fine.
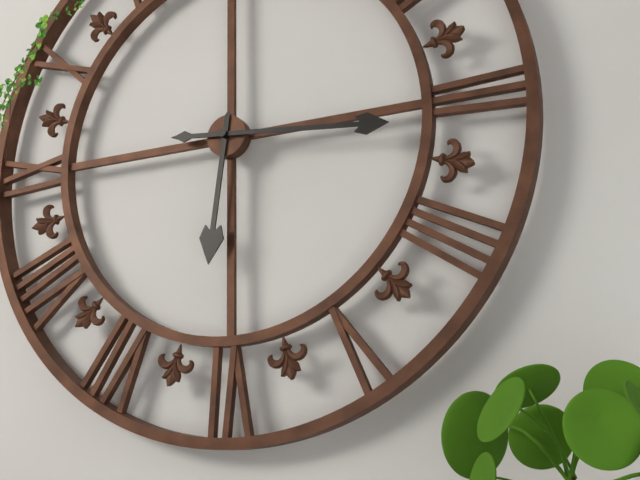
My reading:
6 h 16 min
